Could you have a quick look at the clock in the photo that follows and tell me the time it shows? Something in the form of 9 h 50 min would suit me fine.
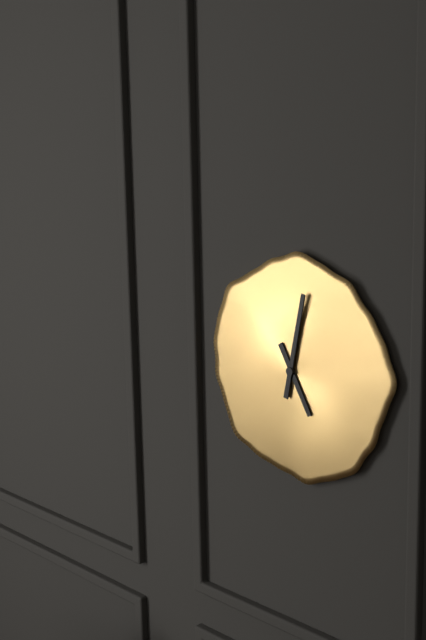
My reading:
5 h 02 min
